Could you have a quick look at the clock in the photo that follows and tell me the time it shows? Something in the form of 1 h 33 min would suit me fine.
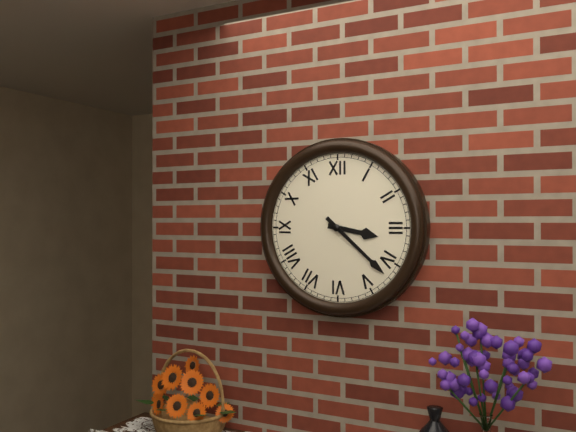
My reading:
3 h 22 min
